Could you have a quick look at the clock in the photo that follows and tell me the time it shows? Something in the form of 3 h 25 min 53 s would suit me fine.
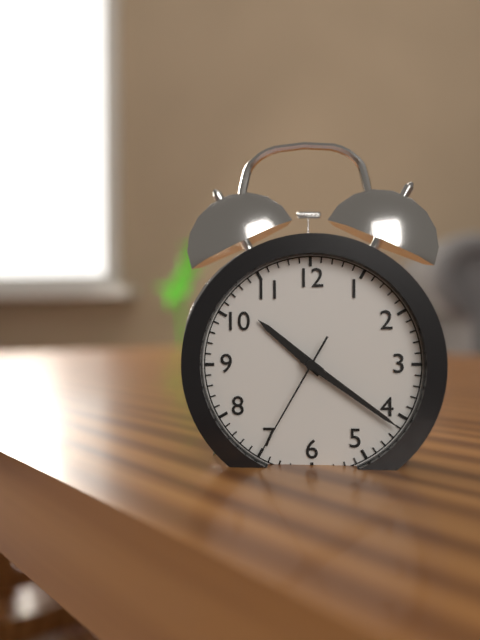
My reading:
10 h 21 min 35 s
